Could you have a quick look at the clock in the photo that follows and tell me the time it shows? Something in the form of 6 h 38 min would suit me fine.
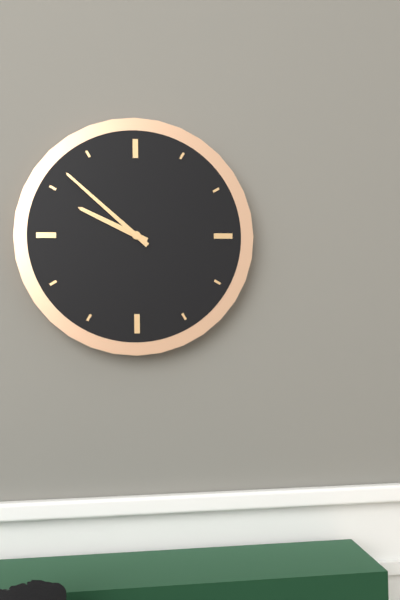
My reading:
9 h 52 min
